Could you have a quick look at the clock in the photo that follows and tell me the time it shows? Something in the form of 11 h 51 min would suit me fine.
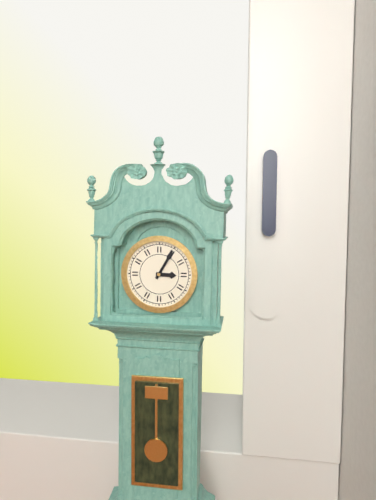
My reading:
3 h 05 min
